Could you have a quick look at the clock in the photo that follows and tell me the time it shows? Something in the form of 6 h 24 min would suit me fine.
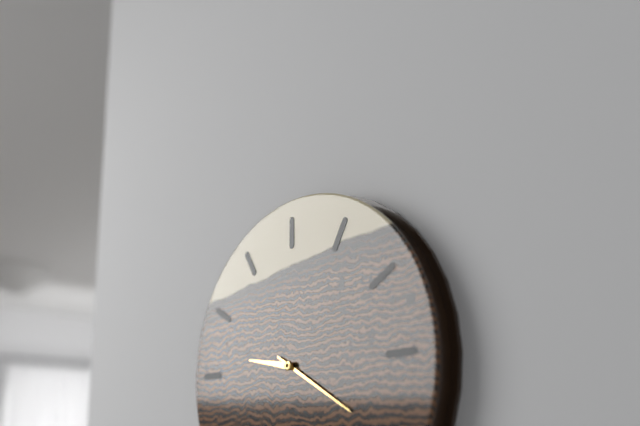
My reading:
9 h 20 min
